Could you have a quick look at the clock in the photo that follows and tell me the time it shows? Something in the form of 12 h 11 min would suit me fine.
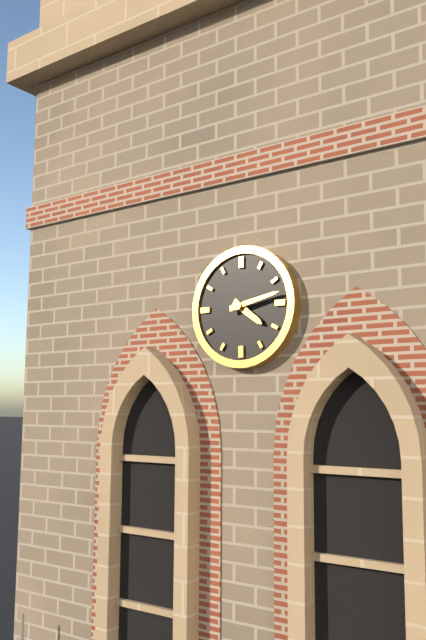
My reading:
4 h 13 min
